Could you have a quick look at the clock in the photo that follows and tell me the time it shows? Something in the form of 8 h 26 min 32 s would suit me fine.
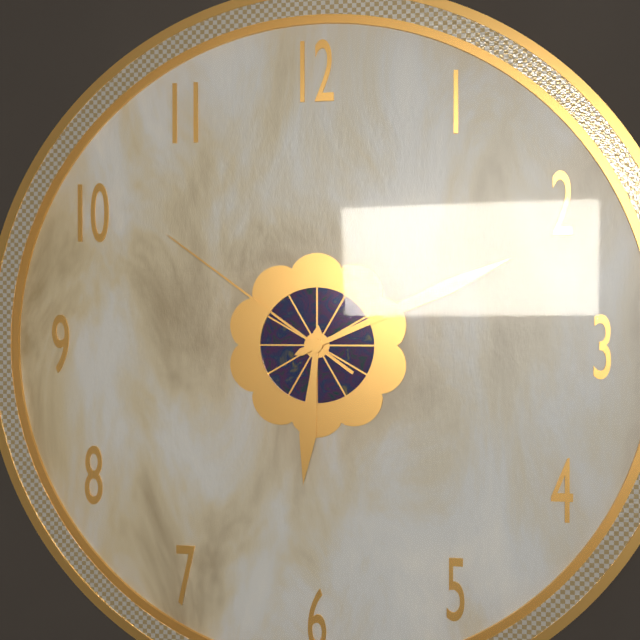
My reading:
6 h 11 min 51 s
